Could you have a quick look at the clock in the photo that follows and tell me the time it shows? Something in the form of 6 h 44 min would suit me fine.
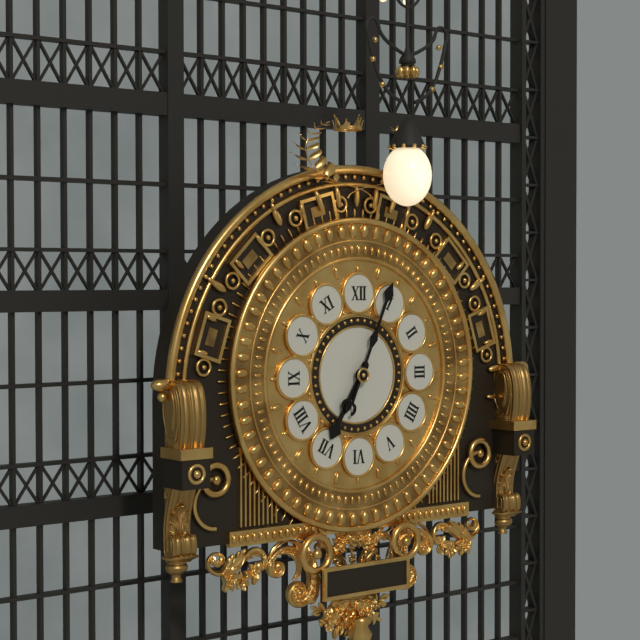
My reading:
7 h 04 min
